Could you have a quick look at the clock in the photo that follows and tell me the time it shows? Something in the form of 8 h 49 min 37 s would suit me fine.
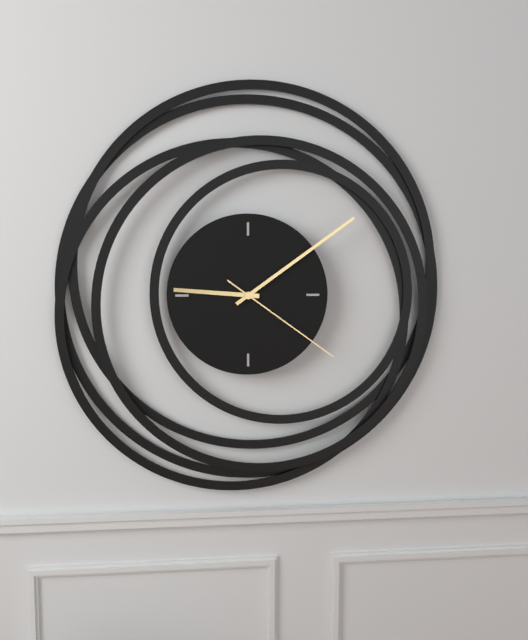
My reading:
9 h 09 min 21 s
